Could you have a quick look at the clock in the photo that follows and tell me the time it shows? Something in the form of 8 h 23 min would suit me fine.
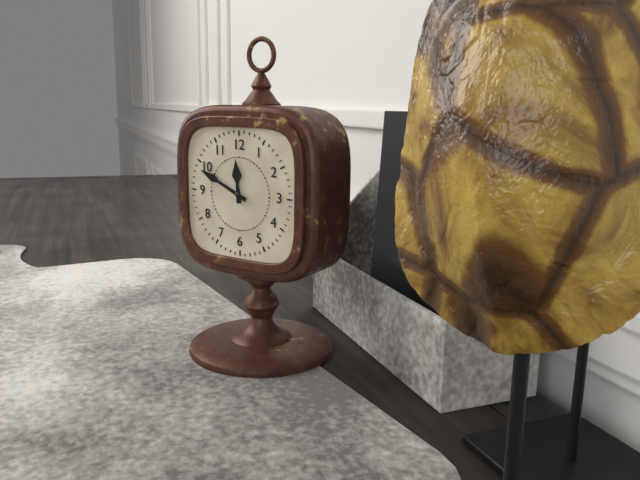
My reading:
11 h 49 min
